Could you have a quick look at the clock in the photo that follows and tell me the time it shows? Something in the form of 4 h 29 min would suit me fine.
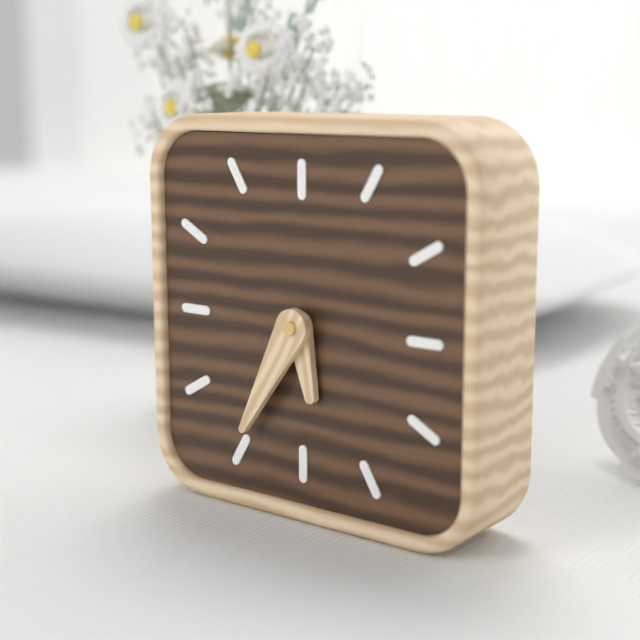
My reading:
5 h 35 min
